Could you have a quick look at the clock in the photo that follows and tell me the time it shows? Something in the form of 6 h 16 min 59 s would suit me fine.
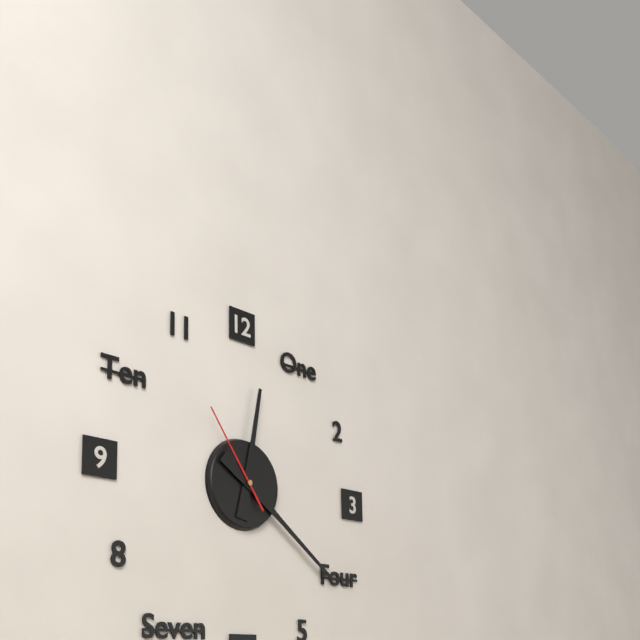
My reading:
12 h 21 min 54 s
